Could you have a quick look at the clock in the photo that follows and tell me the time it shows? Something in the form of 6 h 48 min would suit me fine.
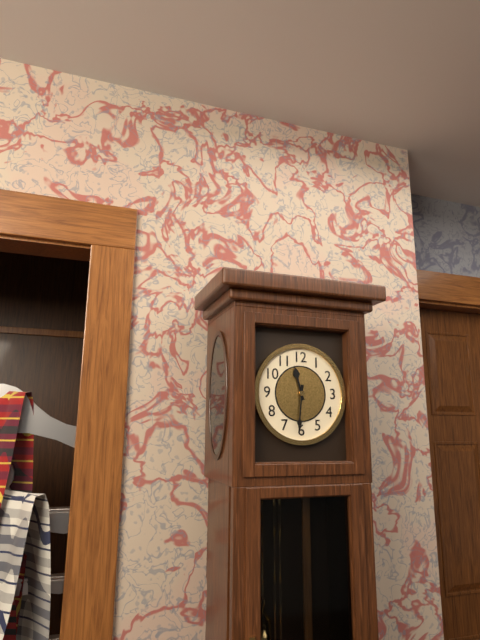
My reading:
11 h 31 min
